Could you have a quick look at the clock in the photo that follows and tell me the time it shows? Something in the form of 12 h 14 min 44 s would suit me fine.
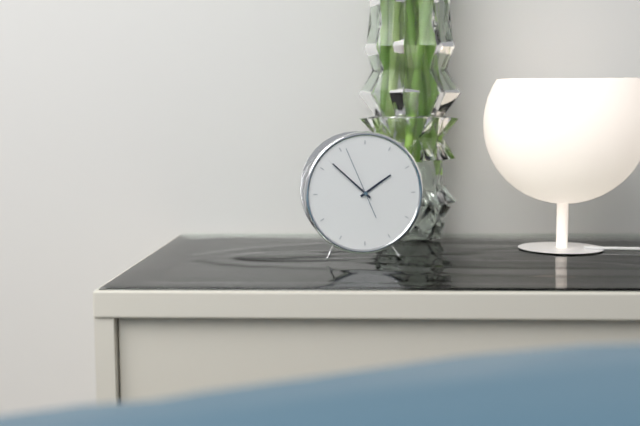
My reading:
1 h 52 min 56 s
